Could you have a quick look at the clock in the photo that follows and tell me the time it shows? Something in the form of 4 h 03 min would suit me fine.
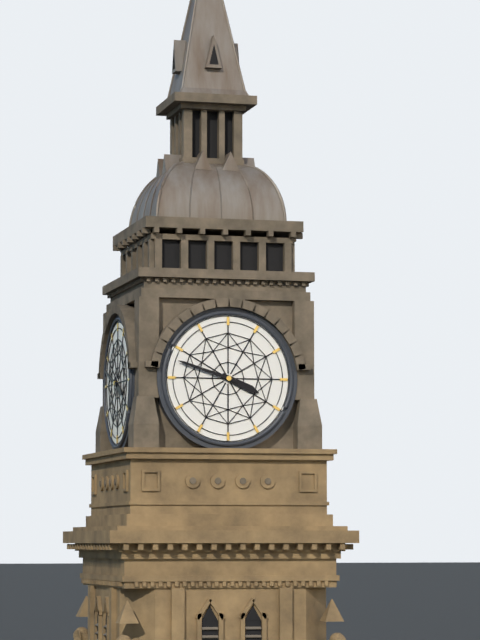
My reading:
3 h 48 min
